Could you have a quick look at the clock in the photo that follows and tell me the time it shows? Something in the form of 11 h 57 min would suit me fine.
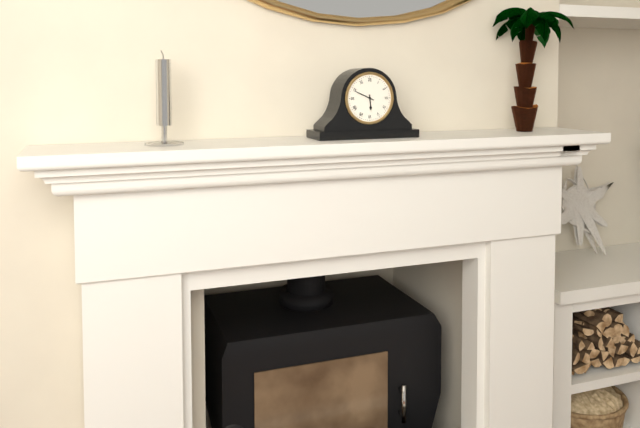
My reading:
5 h 49 min
